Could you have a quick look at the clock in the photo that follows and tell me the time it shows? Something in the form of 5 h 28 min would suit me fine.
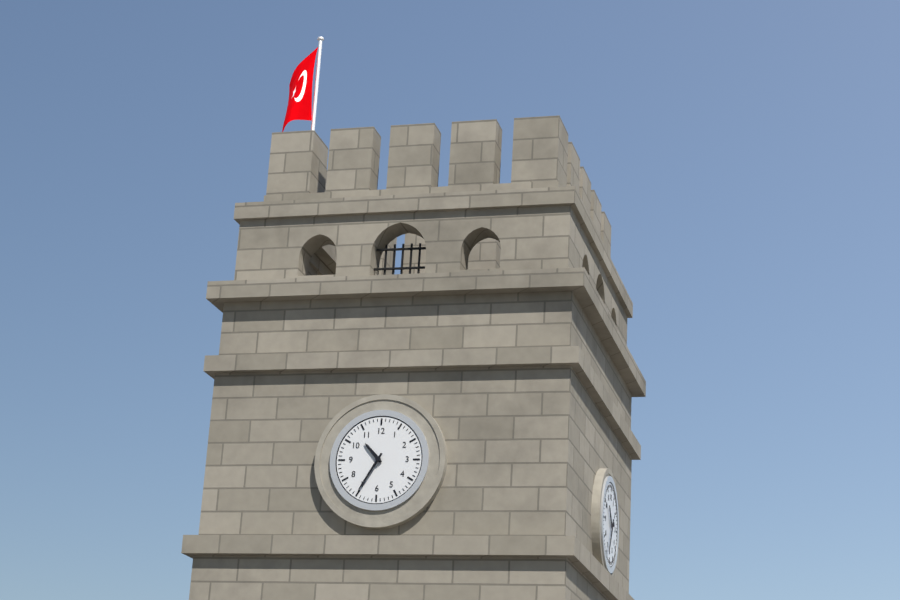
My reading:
10 h 35 min
